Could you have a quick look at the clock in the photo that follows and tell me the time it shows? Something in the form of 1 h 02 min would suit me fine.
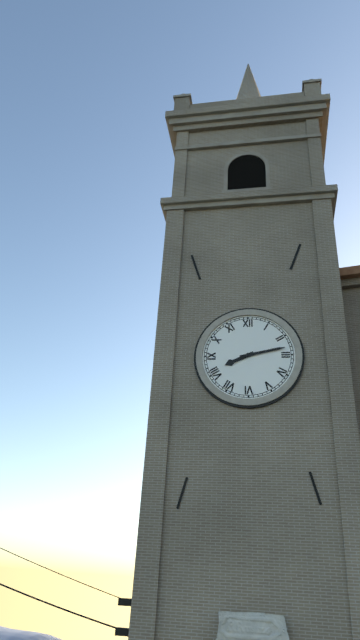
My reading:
8 h 13 min
